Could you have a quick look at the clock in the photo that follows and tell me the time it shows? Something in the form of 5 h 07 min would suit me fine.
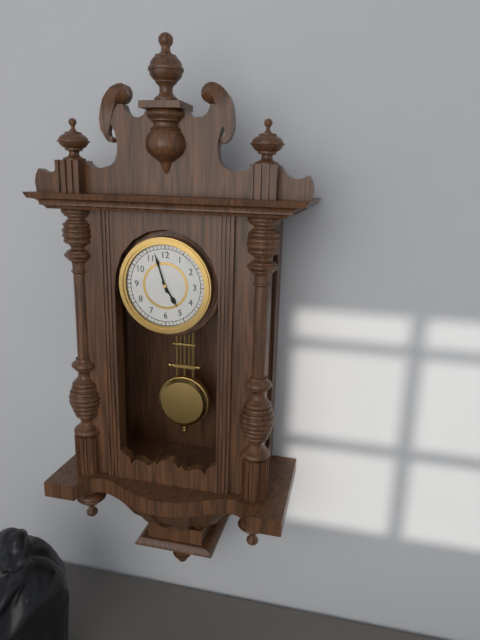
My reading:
4 h 57 min
